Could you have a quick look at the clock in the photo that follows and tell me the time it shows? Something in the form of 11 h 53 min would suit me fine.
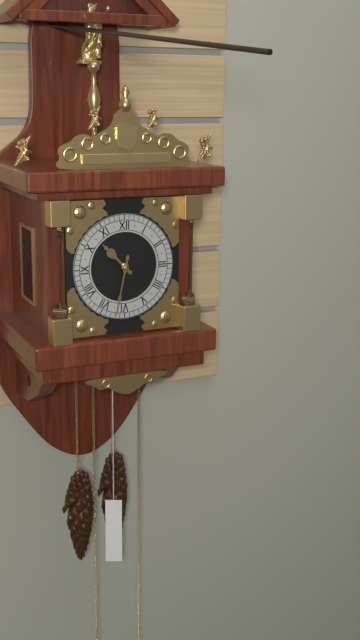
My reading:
10 h 32 min
